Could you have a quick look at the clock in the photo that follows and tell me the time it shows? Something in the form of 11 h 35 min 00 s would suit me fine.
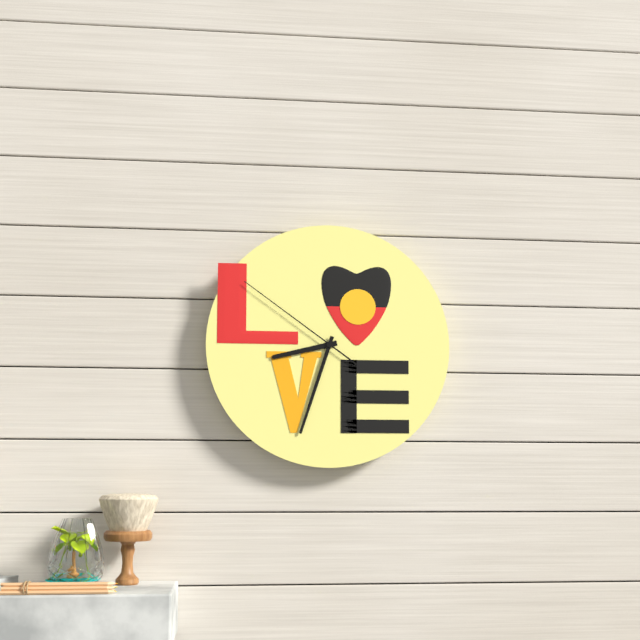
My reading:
8 h 33 min 51 s
